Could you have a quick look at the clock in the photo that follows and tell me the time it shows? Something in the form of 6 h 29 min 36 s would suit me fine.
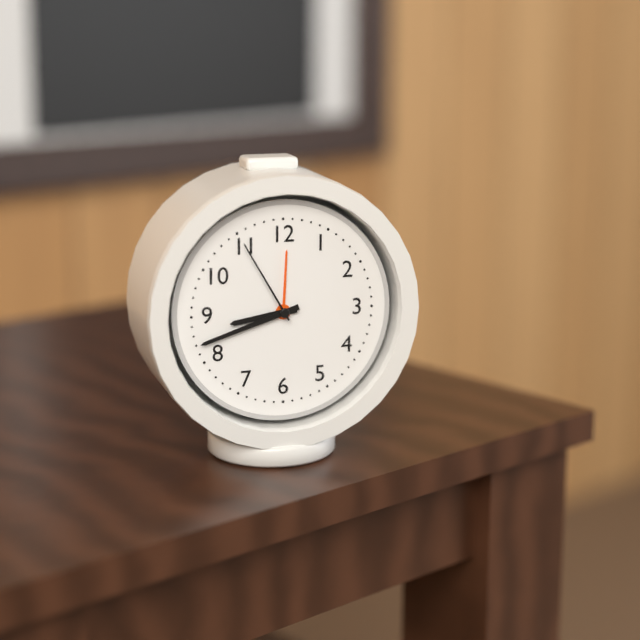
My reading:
8 h 42 min 55 s
